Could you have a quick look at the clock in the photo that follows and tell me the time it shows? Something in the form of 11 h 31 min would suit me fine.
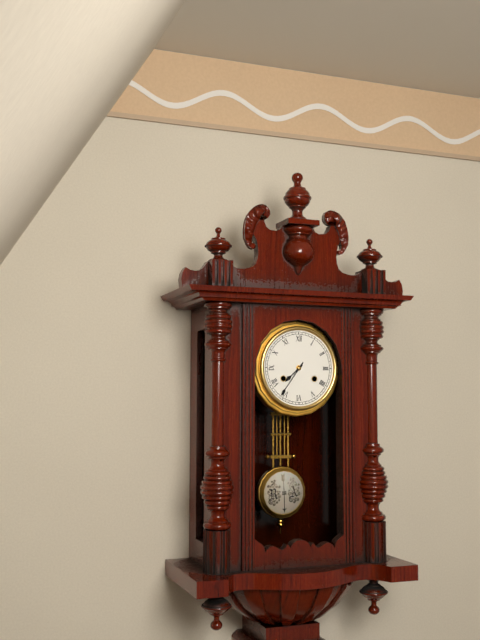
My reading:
7 h 36 min
